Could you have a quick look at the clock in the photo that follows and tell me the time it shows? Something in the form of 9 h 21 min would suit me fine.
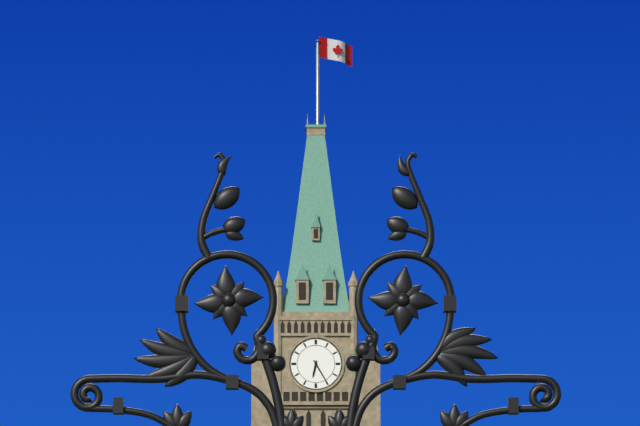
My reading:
6 h 25 min
